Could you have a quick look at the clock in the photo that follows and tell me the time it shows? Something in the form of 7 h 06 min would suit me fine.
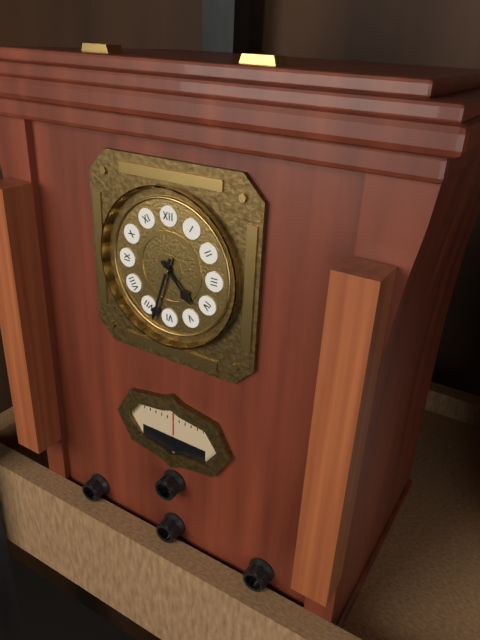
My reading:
4 h 33 min
